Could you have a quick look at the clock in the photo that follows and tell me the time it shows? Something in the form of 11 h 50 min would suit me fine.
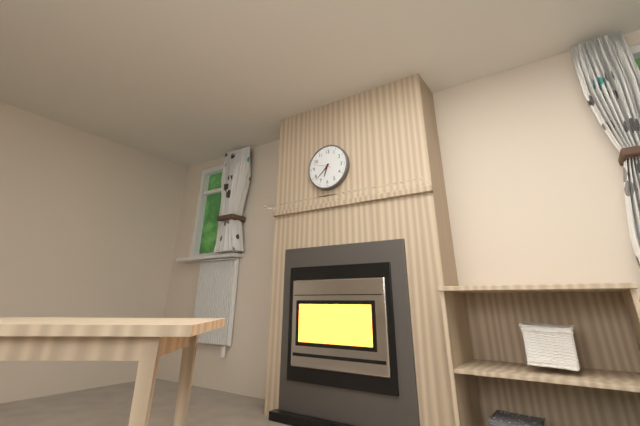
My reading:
6 h 38 min
